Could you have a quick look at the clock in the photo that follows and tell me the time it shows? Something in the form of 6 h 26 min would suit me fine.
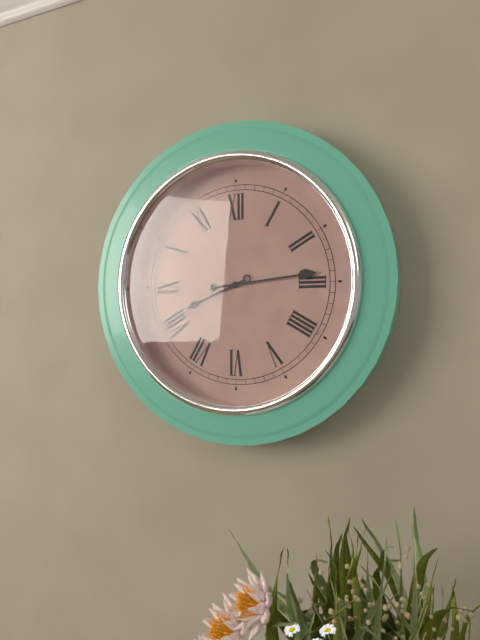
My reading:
8 h 14 min
